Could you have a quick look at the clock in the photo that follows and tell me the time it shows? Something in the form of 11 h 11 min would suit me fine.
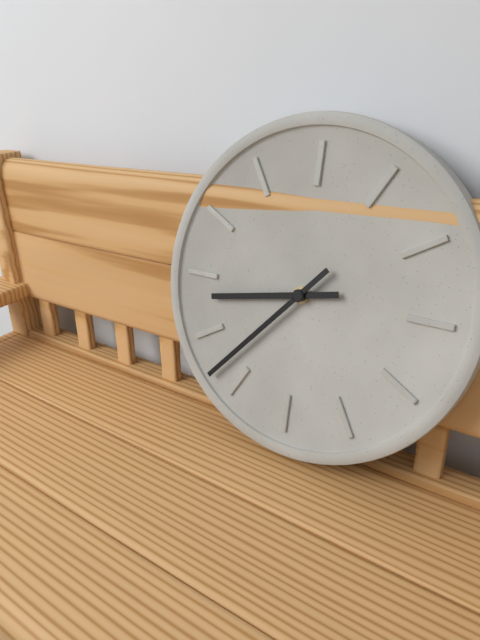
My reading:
8 h 37 min
